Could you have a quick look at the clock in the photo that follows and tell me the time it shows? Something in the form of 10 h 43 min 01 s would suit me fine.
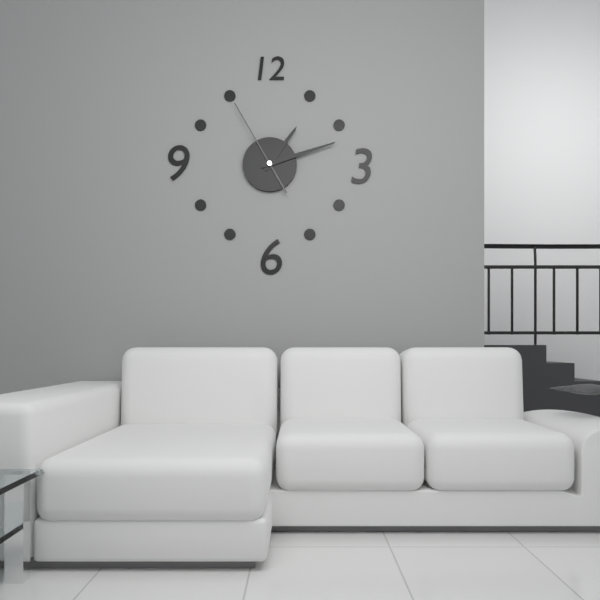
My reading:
1 h 12 min 55 s
